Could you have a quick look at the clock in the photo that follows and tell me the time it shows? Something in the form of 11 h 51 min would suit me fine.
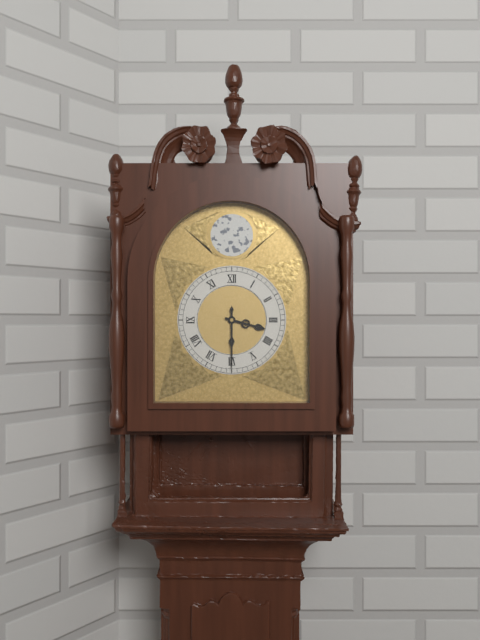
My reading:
3 h 30 min
